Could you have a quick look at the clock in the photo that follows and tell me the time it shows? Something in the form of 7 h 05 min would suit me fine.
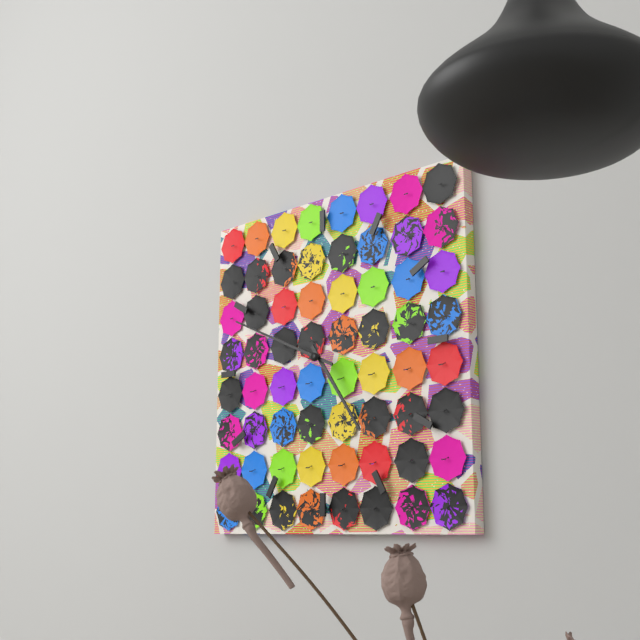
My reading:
4 h 49 min
